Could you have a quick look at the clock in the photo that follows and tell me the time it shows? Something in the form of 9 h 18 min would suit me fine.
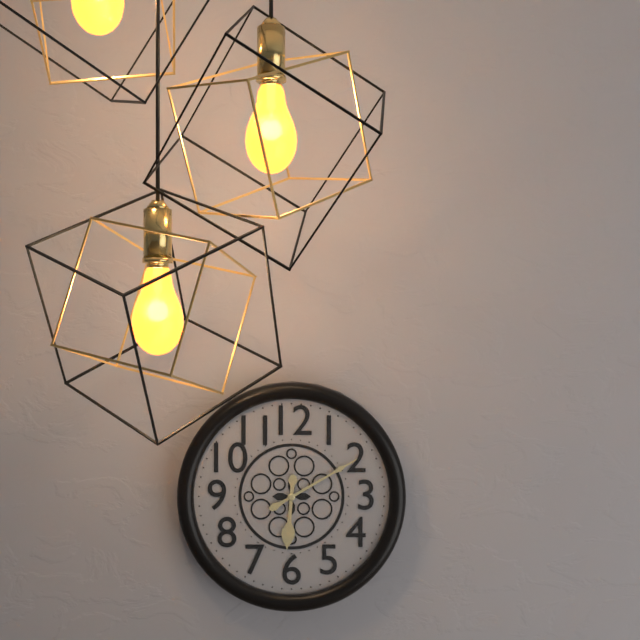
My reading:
6 h 10 min
